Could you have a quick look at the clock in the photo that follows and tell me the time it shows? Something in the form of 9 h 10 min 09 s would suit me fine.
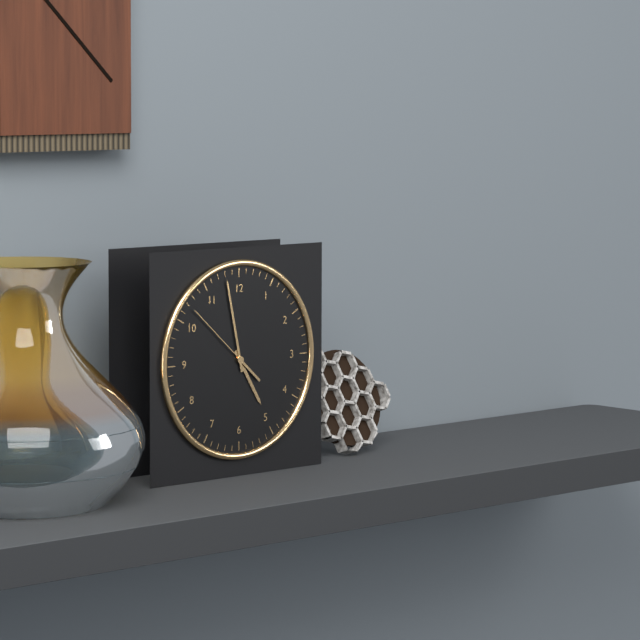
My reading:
4 h 58 min 52 s
